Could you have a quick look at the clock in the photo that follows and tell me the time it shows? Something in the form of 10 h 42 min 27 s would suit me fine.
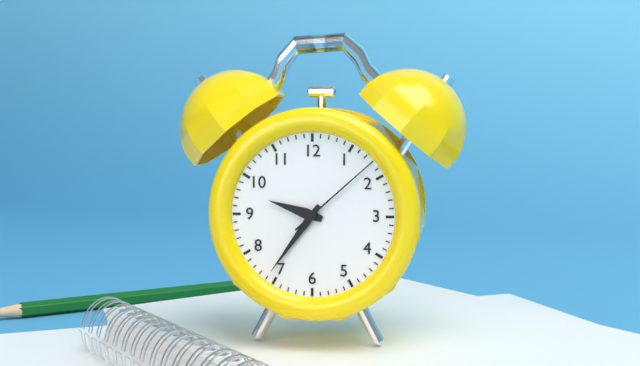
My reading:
9 h 36 min 08 s
